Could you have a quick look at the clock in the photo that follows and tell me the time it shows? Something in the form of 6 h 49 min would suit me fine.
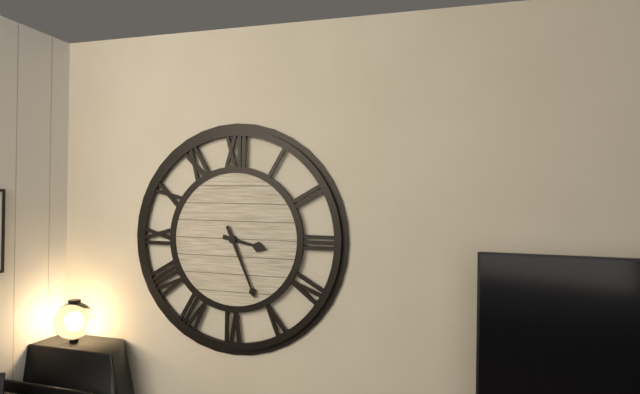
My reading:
3 h 26 min
